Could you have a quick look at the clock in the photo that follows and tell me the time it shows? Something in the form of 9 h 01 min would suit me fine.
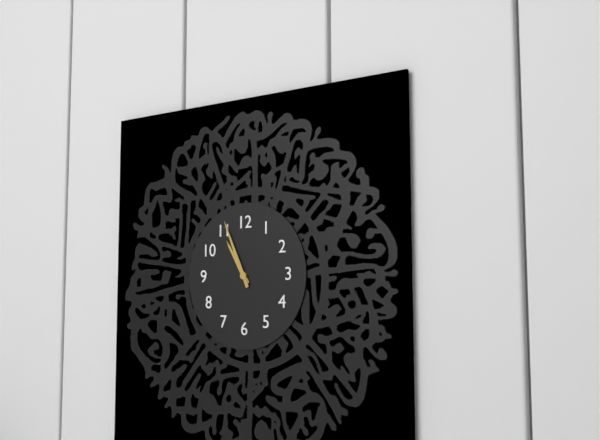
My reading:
10 h 56 min
